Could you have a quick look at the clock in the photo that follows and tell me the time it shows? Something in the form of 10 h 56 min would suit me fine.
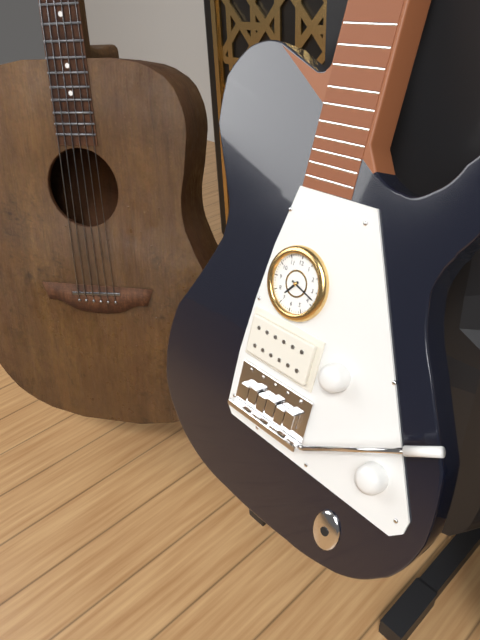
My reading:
7 h 18 min
